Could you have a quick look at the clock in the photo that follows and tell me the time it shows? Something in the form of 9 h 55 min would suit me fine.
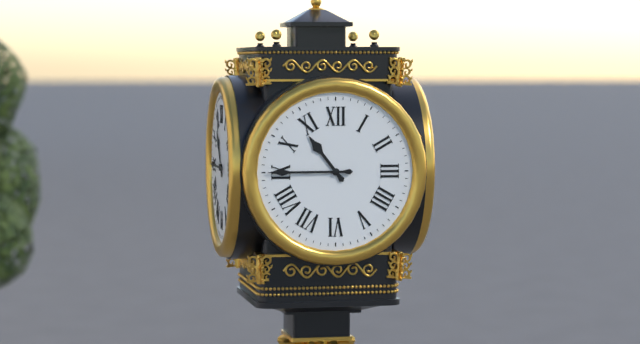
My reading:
10 h 45 min
